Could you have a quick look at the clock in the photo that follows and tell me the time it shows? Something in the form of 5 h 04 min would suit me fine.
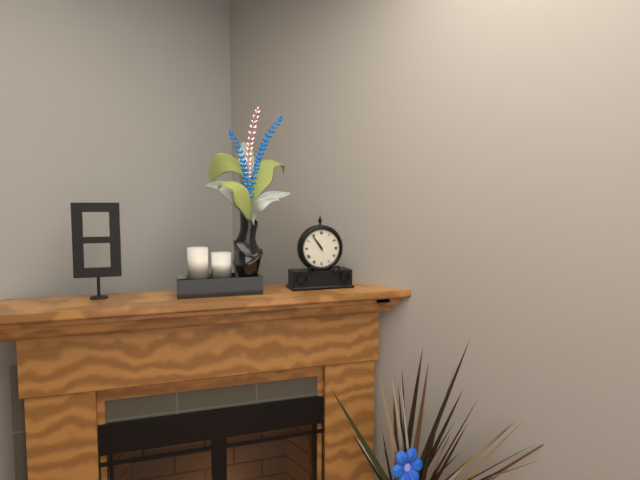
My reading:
10 h 54 min
